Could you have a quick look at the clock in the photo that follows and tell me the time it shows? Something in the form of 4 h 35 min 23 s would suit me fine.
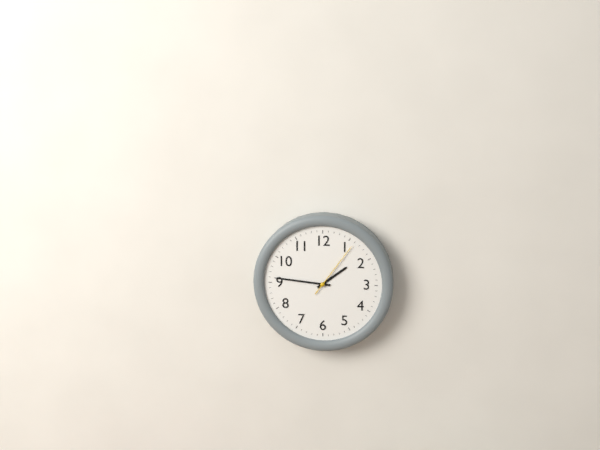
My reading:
1 h 46 min 06 s
